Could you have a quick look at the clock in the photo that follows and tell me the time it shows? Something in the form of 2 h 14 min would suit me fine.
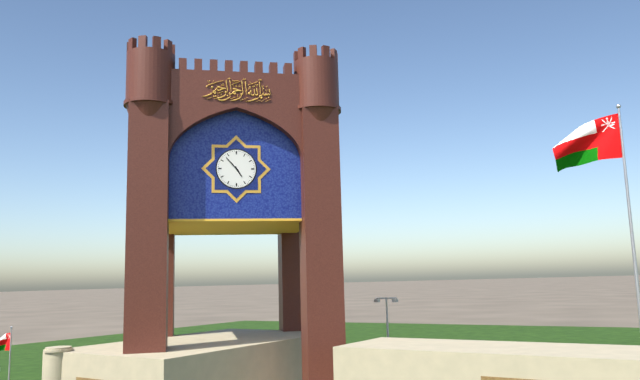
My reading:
4 h 53 min
